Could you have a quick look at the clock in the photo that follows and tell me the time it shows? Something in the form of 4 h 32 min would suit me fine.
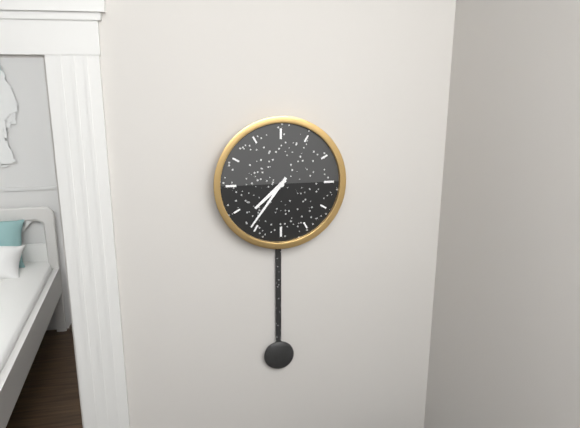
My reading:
7 h 36 min
